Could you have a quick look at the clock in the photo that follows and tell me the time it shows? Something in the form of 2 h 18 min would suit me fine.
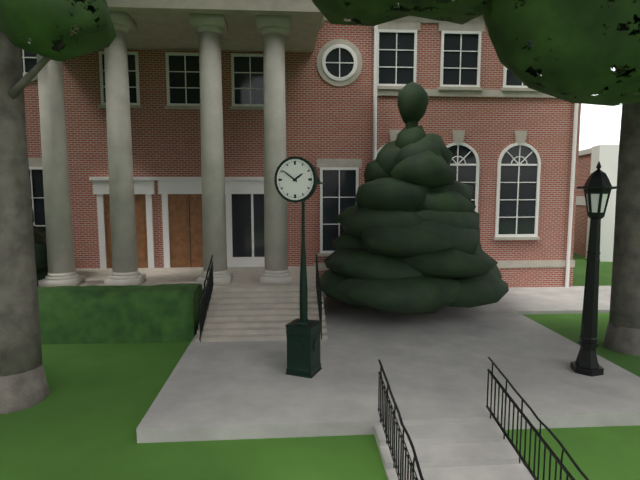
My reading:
1 h 51 min
